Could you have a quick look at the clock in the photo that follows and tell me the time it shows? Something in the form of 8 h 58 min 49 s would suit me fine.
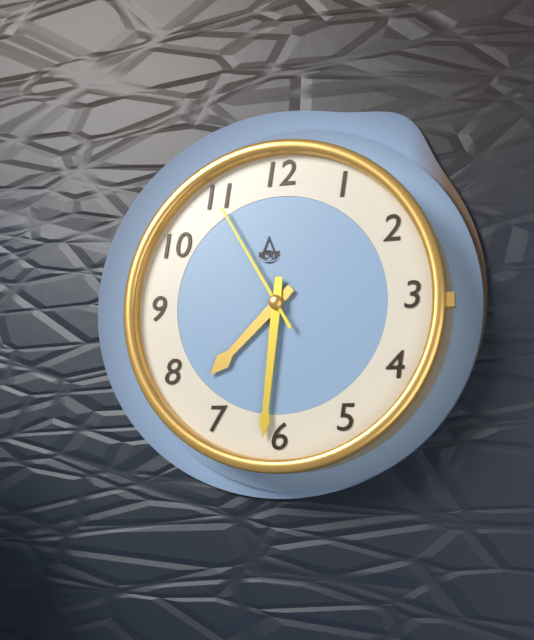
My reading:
7 h 31 min 55 s
